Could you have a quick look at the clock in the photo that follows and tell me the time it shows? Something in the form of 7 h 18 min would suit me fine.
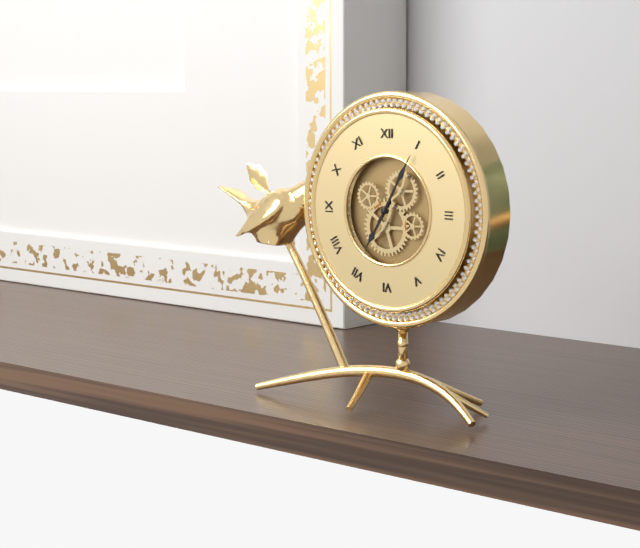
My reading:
7 h 05 min
